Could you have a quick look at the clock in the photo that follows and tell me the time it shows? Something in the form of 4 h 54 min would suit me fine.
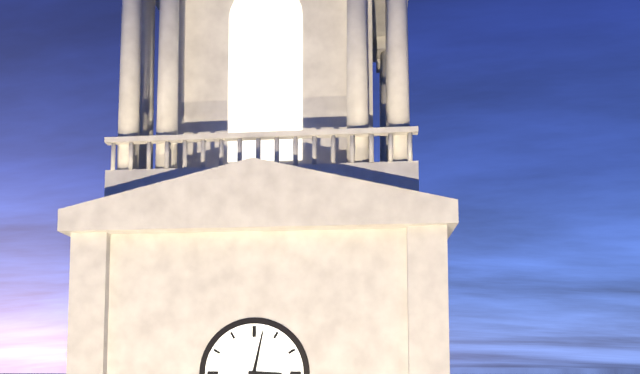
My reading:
3 h 02 min
